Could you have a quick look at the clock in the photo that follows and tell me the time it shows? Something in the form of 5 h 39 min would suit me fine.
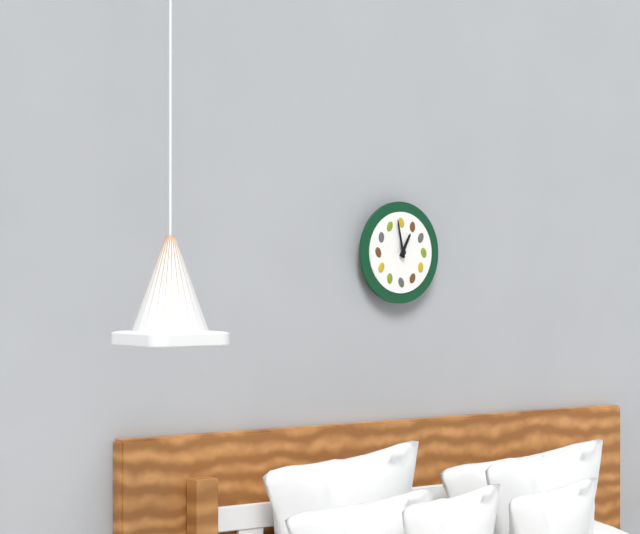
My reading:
12 h 58 min
